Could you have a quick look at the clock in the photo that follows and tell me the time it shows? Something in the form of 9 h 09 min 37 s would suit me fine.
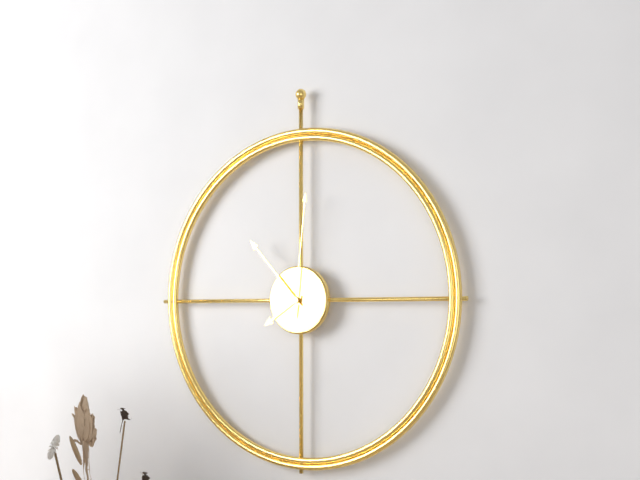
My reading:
7 h 53 min 01 s
